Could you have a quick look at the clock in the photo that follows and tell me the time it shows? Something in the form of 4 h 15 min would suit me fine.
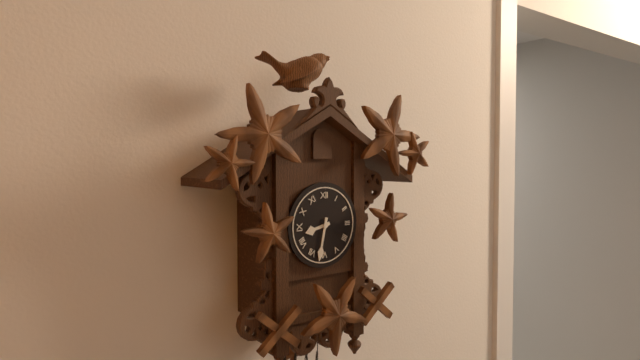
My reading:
8 h 32 min
